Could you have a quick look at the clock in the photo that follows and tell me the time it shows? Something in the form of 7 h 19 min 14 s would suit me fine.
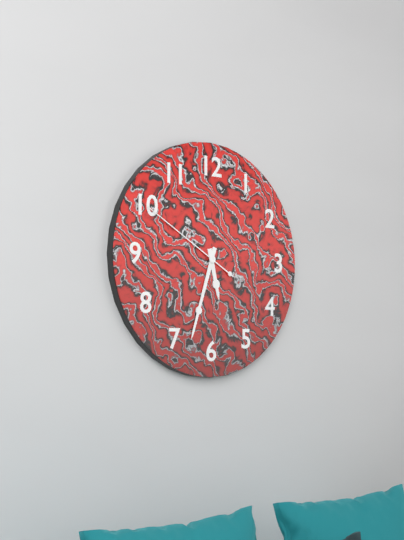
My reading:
5 h 33 min 50 s
